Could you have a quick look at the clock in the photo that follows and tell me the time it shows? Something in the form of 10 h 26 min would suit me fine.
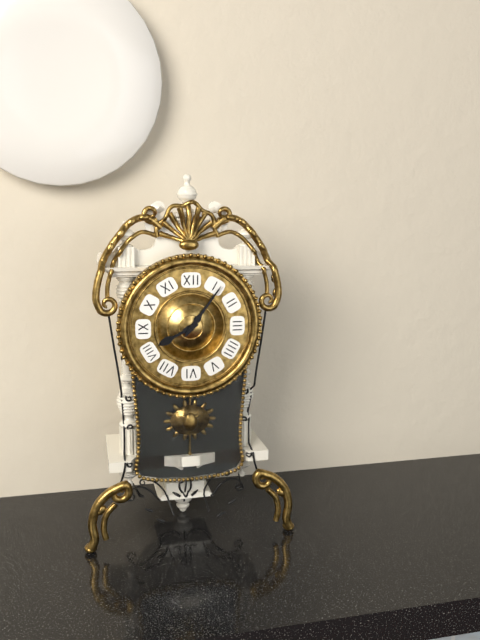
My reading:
8 h 06 min
